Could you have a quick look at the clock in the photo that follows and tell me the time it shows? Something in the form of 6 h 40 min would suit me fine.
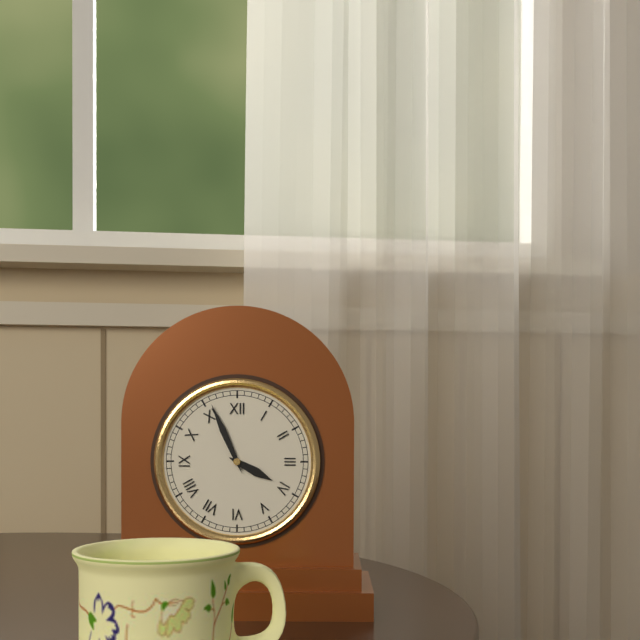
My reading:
3 h 56 min
